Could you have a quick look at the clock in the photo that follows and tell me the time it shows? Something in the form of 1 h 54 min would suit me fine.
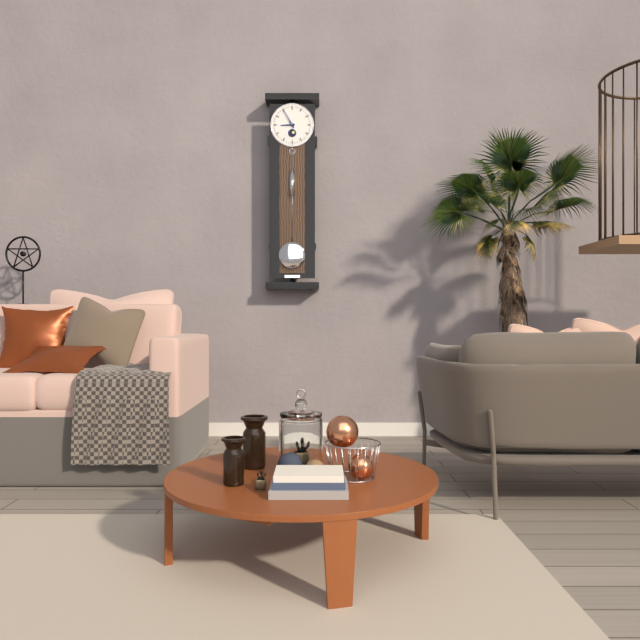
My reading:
8 h 55 min
